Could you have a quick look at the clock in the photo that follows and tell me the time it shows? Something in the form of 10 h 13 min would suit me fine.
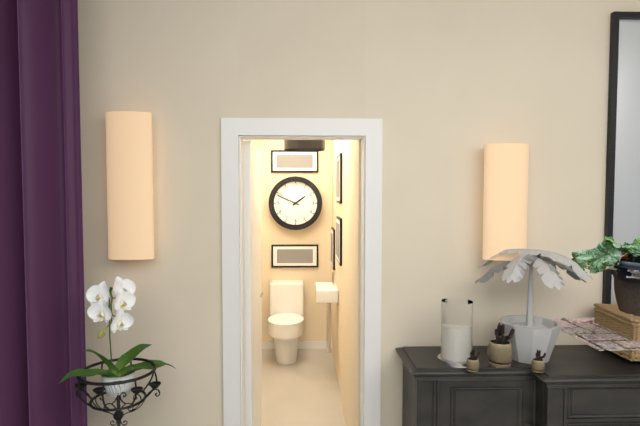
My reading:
1 h 49 min
